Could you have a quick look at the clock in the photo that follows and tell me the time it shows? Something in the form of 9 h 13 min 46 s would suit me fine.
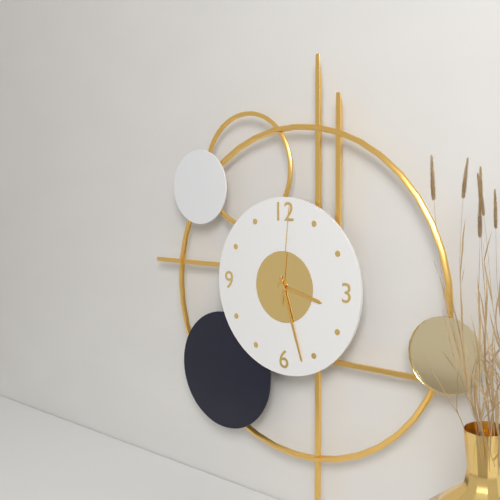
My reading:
3 h 27 min 01 s
